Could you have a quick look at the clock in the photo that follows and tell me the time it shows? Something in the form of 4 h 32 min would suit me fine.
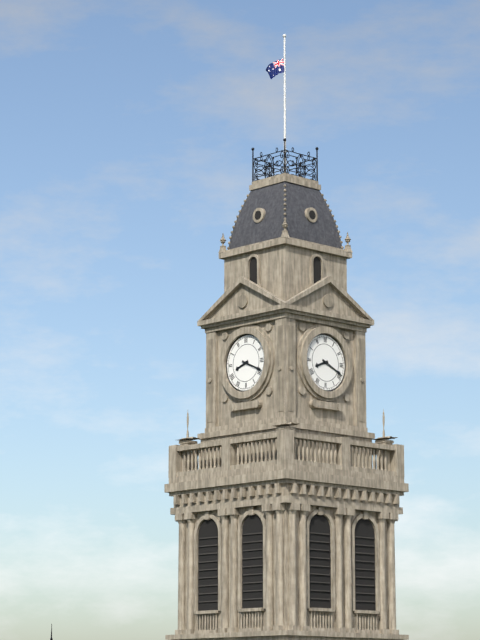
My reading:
8 h 19 min
